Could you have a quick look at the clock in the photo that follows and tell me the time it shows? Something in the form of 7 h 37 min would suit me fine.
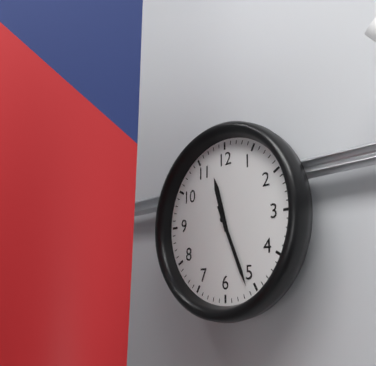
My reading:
11 h 26 min
